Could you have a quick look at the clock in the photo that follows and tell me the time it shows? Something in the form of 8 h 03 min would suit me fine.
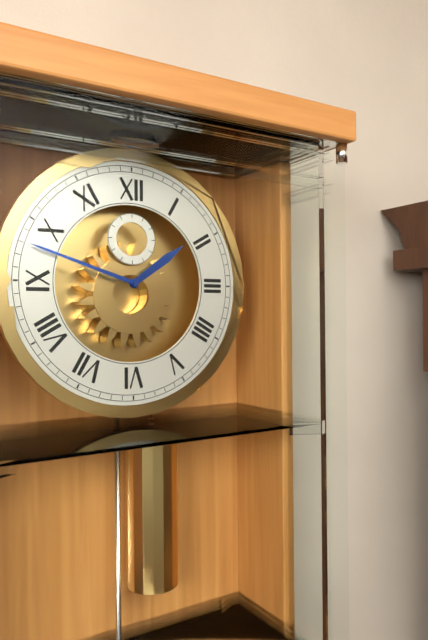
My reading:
1 h 48 min
